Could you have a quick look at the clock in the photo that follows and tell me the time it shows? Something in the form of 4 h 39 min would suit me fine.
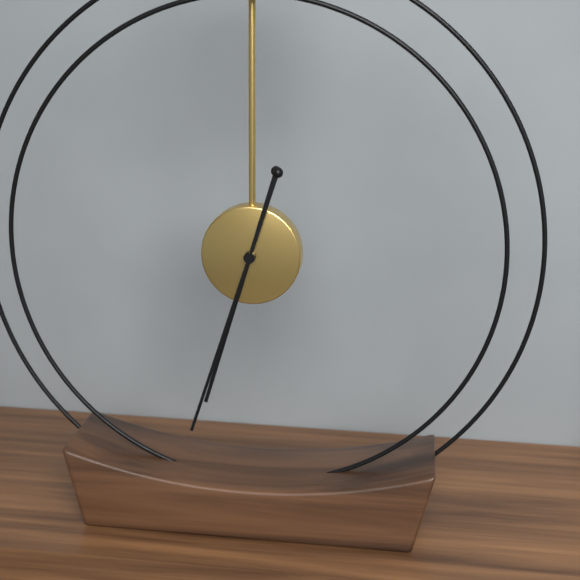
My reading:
6 h 33 min
